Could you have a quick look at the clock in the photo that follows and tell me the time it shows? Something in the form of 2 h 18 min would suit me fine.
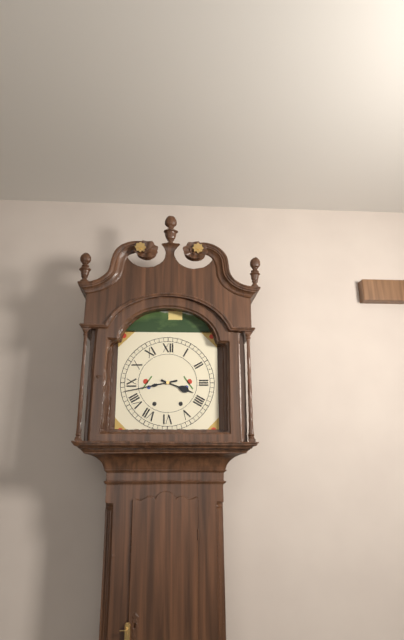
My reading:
3 h 43 min
